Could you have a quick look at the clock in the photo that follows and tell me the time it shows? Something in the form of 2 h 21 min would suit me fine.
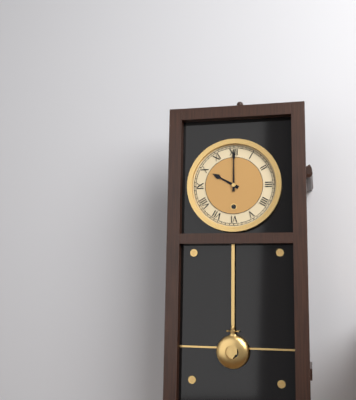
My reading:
10 h 00 min
